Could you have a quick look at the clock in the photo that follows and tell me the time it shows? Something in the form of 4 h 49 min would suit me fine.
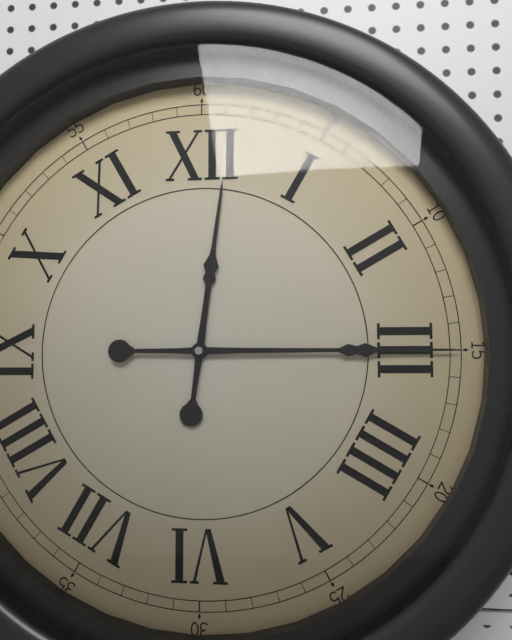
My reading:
12 h 15 min
